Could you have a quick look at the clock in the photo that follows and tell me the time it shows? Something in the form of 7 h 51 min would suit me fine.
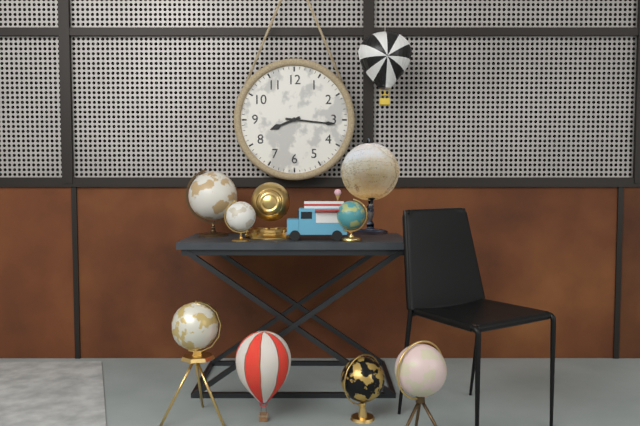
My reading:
8 h 16 min
